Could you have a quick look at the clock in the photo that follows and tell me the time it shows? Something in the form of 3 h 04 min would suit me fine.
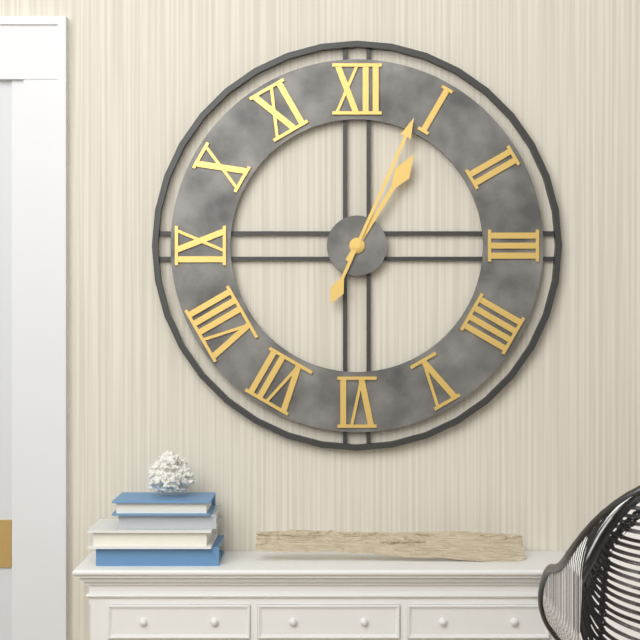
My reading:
1 h 04 min
